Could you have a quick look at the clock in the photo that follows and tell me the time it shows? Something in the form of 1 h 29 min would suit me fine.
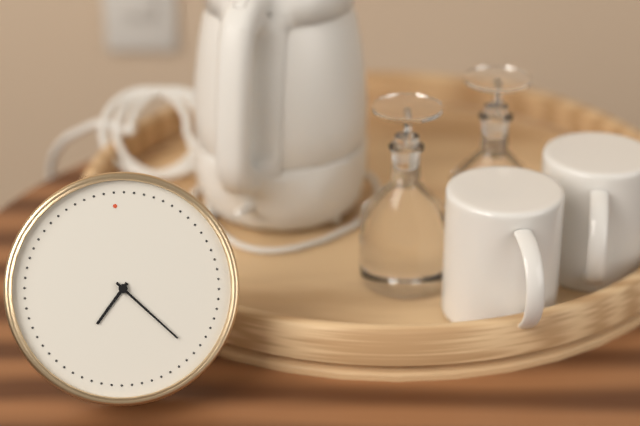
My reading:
7 h 23 min
